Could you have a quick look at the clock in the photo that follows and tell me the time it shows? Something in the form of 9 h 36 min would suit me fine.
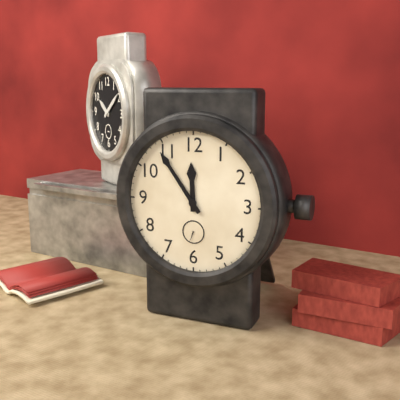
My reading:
11 h 54 min
